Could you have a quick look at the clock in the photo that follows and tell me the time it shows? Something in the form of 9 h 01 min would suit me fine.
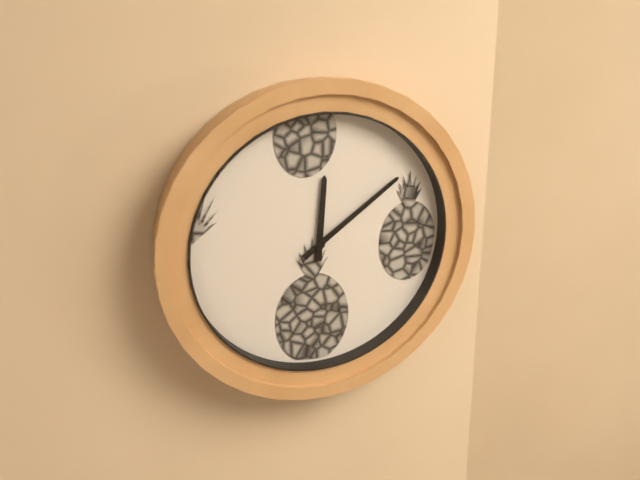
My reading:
12 h 09 min
